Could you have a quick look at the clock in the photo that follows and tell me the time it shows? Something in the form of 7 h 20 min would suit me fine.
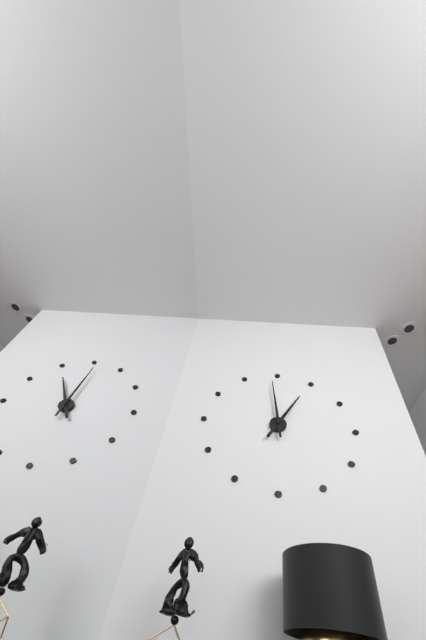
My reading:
12 h 59 min
